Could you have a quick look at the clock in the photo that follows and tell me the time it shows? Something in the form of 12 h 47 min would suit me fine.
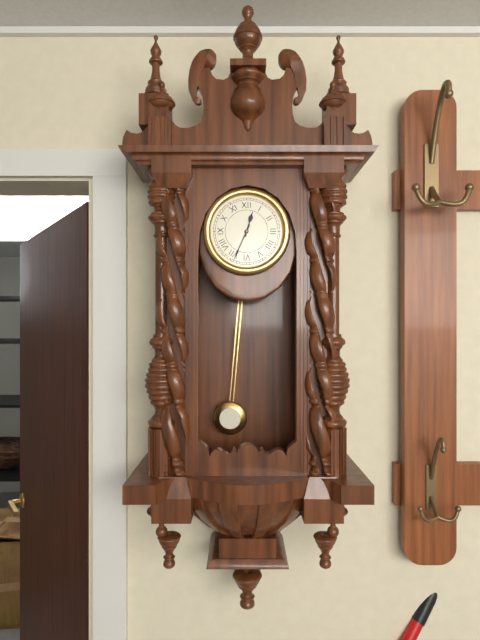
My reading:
12 h 34 min
